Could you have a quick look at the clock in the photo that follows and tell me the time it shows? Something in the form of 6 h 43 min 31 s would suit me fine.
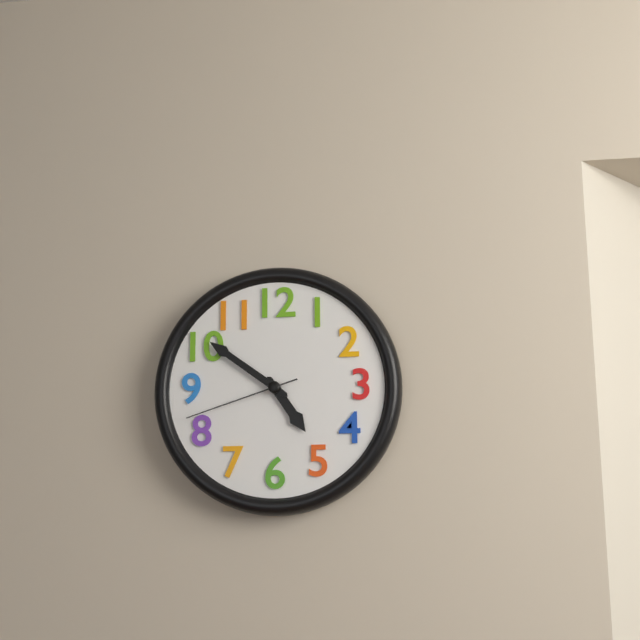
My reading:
4 h 51 min 42 s
